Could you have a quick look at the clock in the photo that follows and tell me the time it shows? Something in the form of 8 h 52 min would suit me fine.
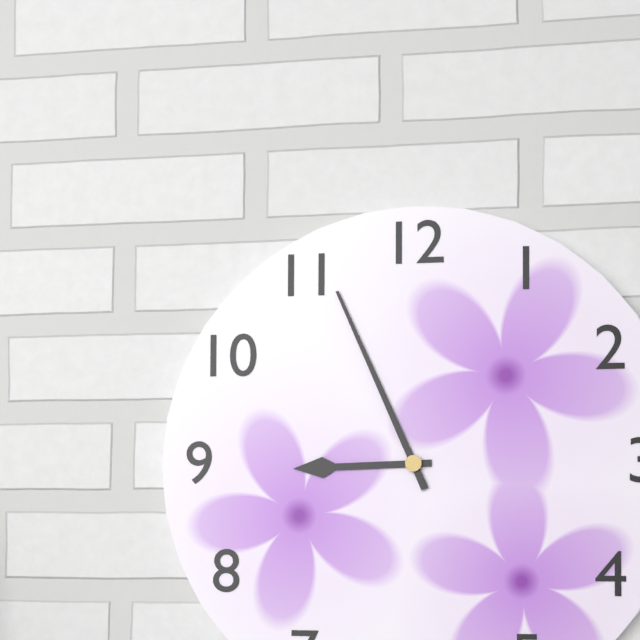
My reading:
8 h 56 min
